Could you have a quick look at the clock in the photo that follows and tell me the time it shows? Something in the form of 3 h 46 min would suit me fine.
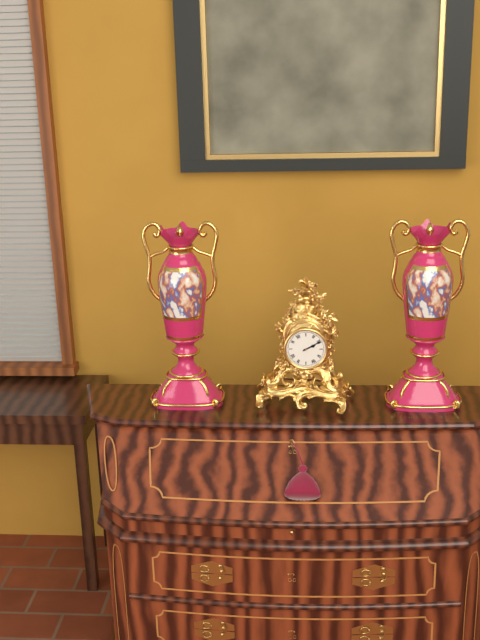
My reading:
2 h 10 min
